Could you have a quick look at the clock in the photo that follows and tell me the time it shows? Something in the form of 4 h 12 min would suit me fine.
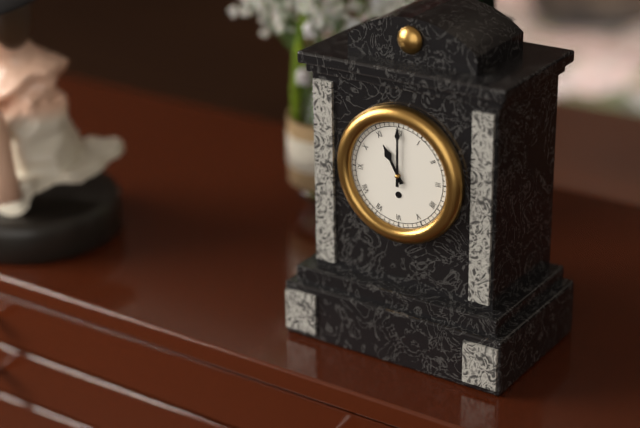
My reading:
11 h 00 min
